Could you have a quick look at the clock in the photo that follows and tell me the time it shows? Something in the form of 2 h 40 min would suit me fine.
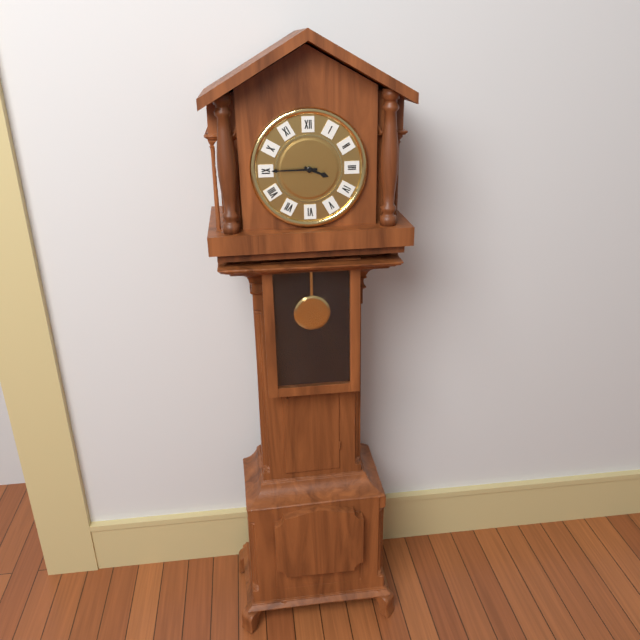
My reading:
3 h 45 min
